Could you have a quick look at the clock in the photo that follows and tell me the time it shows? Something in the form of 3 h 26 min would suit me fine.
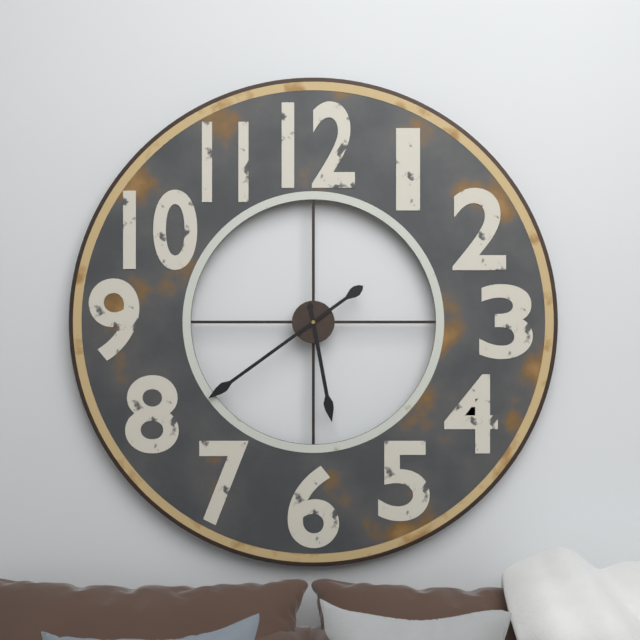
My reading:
5 h 39 min
